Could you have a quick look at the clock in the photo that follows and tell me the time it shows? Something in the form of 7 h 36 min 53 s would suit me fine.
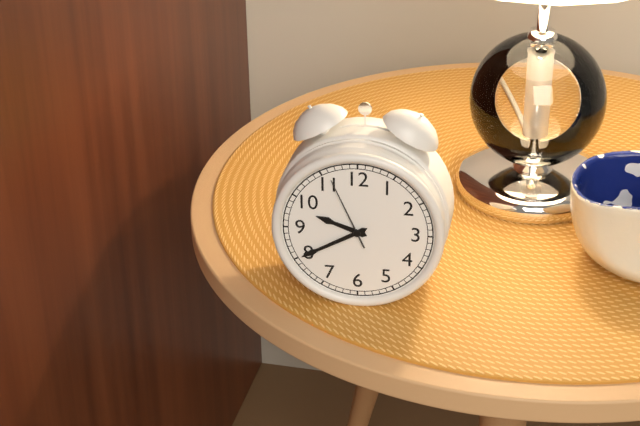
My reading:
9 h 40 min 56 s
